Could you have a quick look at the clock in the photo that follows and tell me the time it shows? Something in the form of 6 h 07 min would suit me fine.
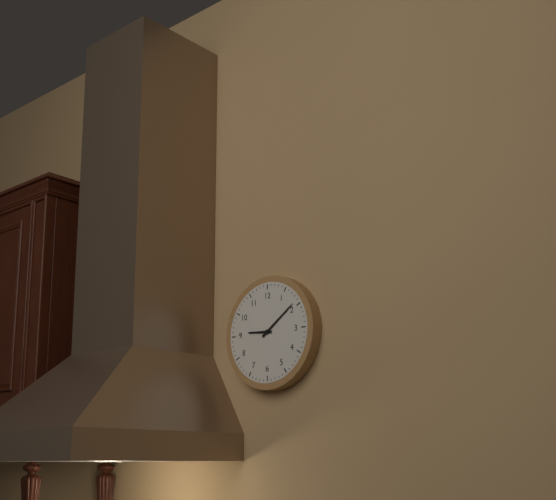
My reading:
9 h 09 min
